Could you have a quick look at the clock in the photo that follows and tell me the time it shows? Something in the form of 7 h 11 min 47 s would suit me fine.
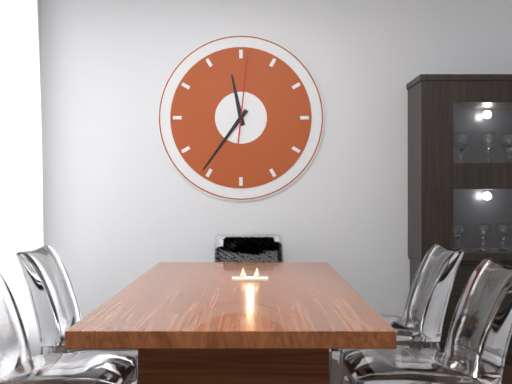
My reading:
11 h 36 min 01 s
